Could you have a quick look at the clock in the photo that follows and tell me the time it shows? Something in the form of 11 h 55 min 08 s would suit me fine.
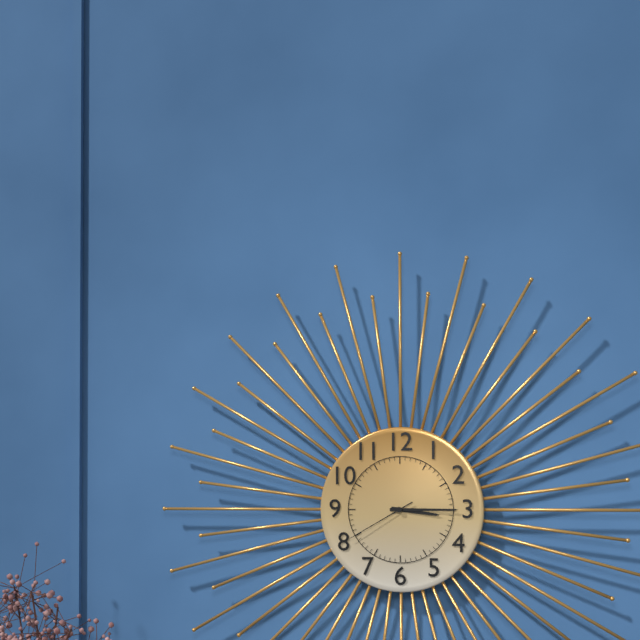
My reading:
3 h 15 min 40 s
